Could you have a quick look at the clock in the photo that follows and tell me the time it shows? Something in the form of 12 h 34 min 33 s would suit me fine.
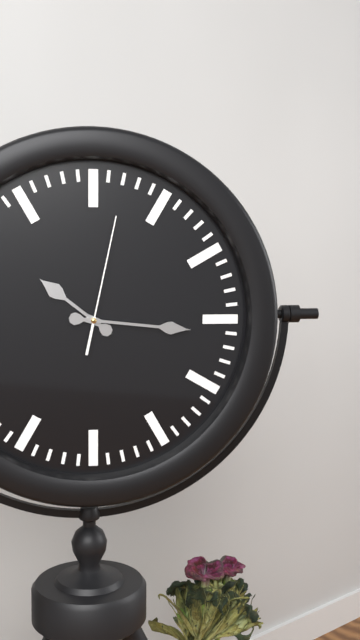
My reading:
10 h 16 min 02 s
